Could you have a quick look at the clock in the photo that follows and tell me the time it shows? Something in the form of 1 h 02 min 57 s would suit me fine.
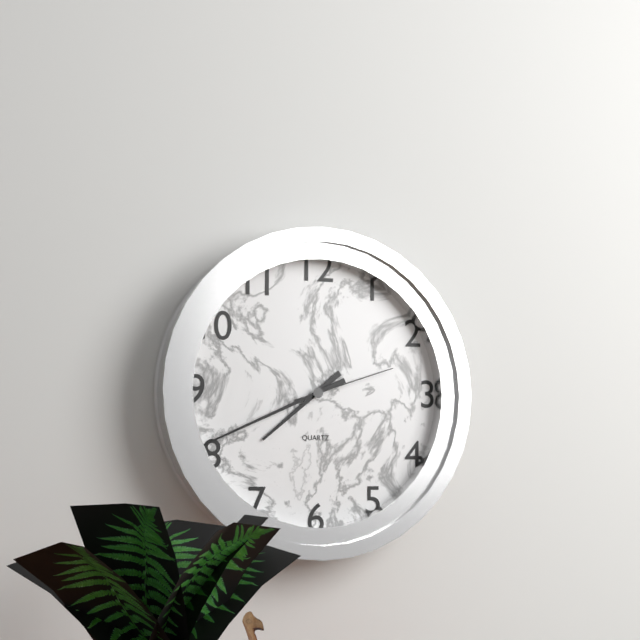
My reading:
7 h 41 min 12 s
